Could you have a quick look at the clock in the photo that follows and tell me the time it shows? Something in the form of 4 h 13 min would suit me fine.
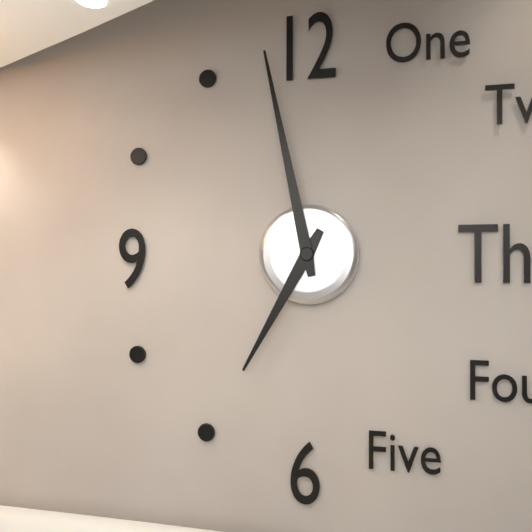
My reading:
6 h 58 min
